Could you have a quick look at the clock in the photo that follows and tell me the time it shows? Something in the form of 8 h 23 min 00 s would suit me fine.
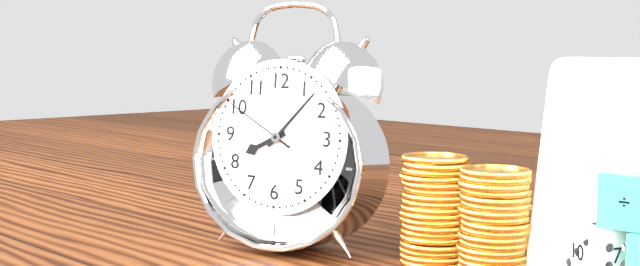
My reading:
8 h 07 min 50 s
